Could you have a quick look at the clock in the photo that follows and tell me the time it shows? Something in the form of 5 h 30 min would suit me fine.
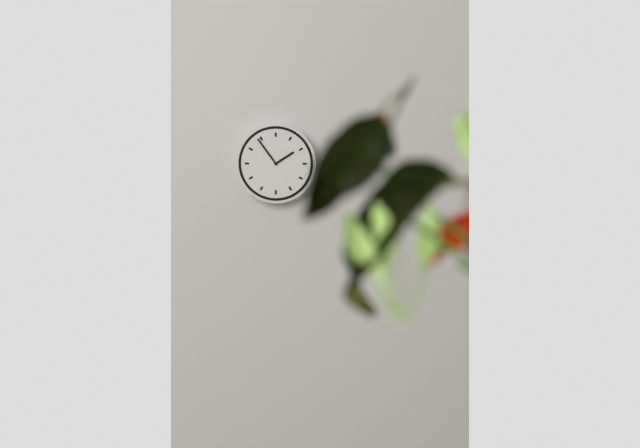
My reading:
1 h 54 min
